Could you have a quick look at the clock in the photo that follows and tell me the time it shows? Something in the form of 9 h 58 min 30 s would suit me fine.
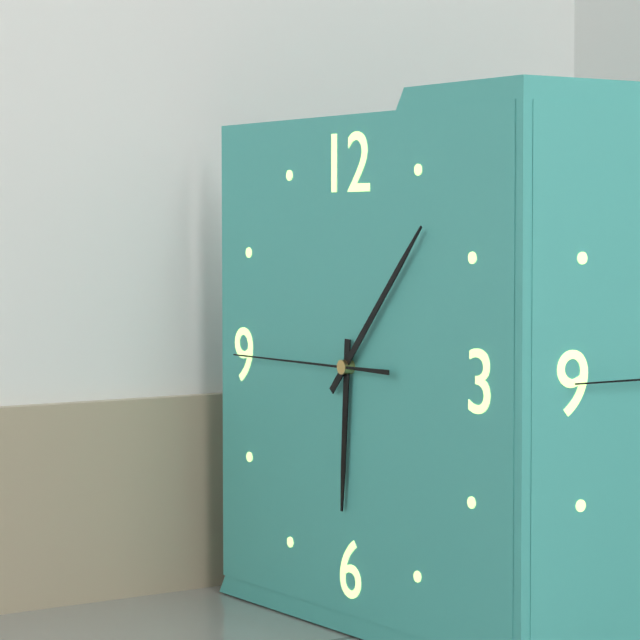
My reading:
6 h 07 min 45 s
